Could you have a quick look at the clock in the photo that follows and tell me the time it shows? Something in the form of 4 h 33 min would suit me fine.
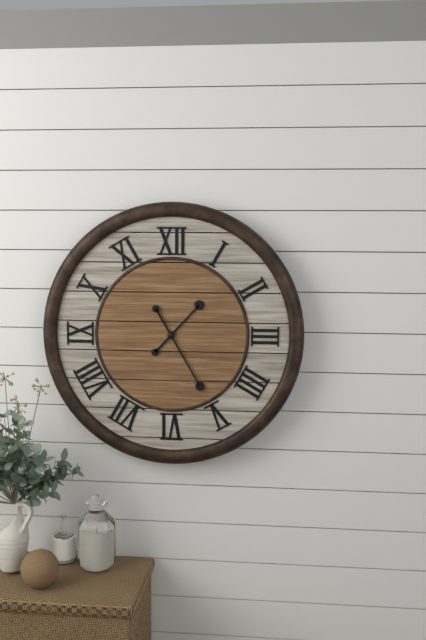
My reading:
1 h 25 min
